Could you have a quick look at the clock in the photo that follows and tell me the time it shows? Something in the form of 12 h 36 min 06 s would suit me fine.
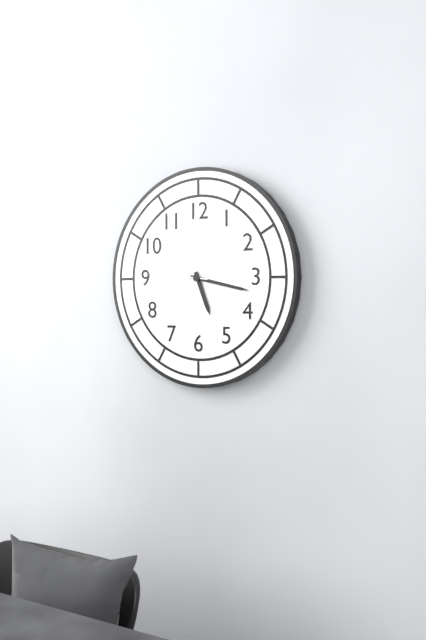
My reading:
5 h 17 min 46 s
